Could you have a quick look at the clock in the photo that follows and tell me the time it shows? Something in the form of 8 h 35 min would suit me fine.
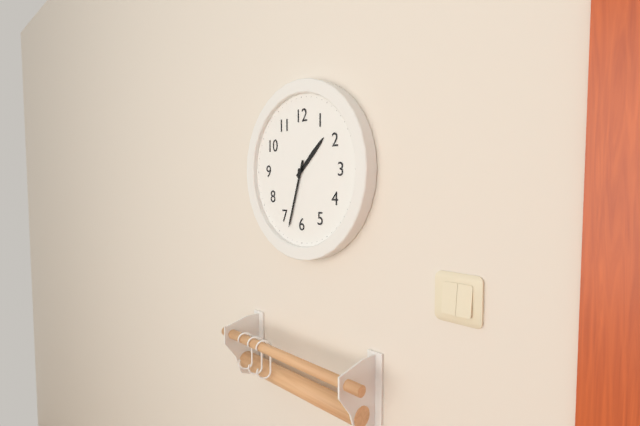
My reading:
1 h 33 min
